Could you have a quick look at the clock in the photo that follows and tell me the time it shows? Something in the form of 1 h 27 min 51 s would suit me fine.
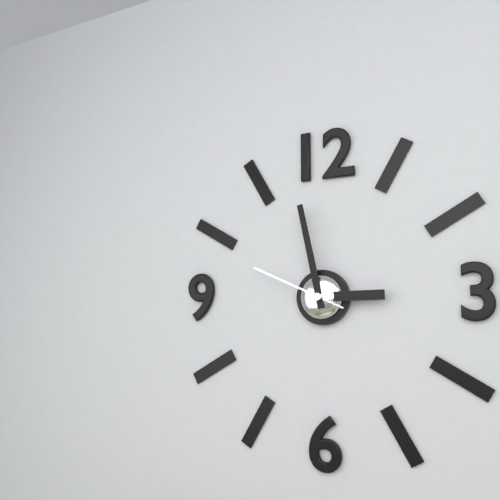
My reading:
2 h 58 min 49 s
